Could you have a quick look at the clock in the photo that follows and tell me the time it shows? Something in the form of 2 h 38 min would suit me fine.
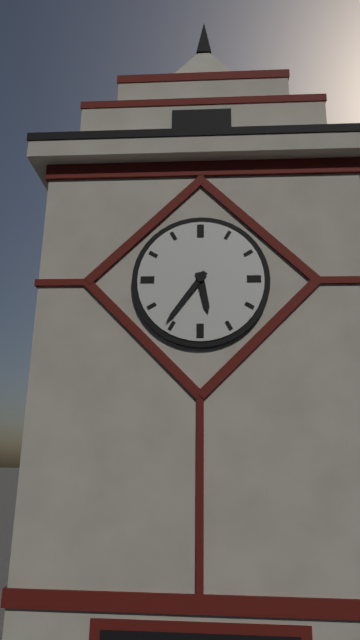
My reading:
5 h 36 min
